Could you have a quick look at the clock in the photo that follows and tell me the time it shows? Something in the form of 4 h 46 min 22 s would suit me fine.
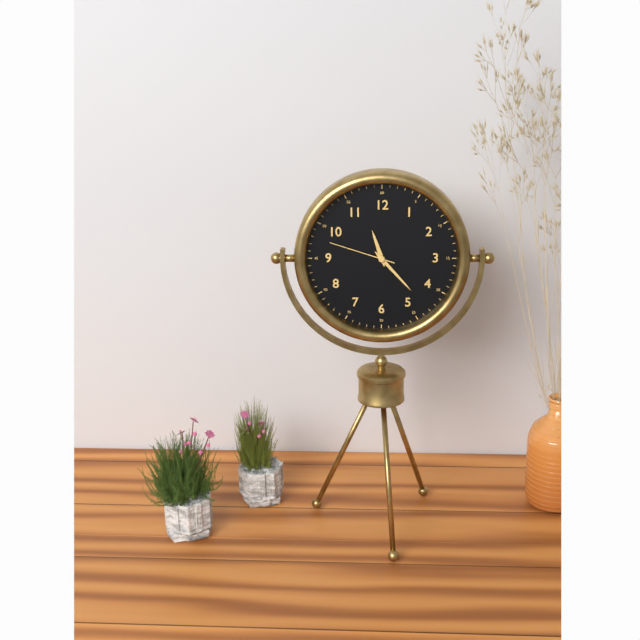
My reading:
11 h 23 min 48 s
